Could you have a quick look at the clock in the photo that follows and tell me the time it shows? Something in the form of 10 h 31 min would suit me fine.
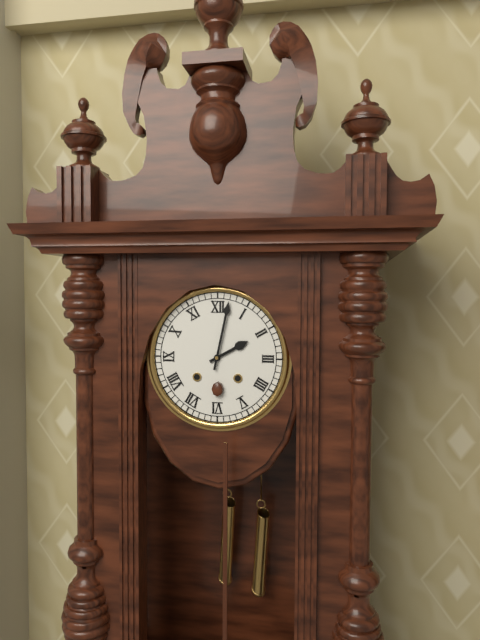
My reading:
2 h 02 min
